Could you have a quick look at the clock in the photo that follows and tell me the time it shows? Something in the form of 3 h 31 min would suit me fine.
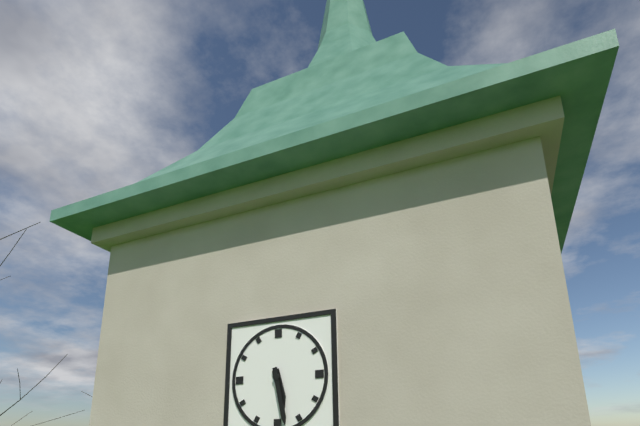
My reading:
5 h 28 min
